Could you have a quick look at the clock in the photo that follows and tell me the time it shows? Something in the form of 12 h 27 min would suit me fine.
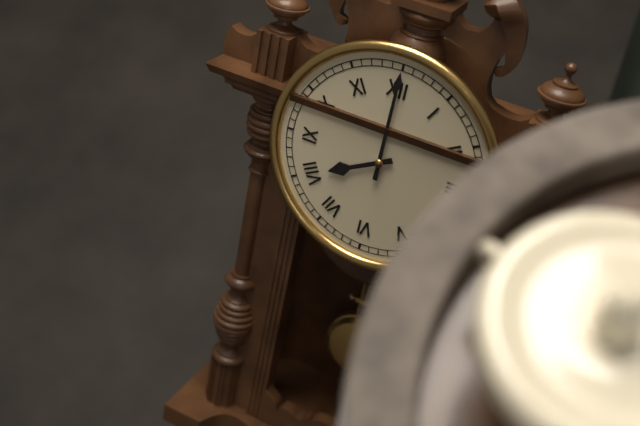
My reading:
8 h 00 min
